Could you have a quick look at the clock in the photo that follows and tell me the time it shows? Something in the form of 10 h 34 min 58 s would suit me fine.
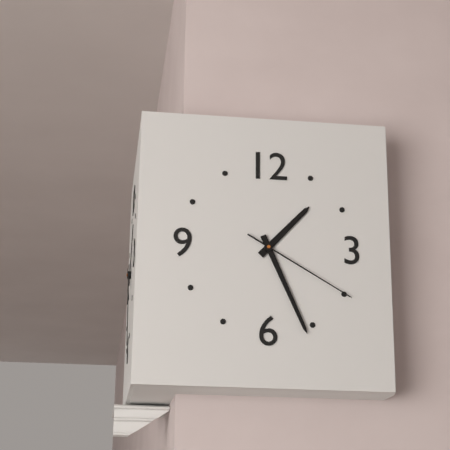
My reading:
1 h 26 min 20 s
